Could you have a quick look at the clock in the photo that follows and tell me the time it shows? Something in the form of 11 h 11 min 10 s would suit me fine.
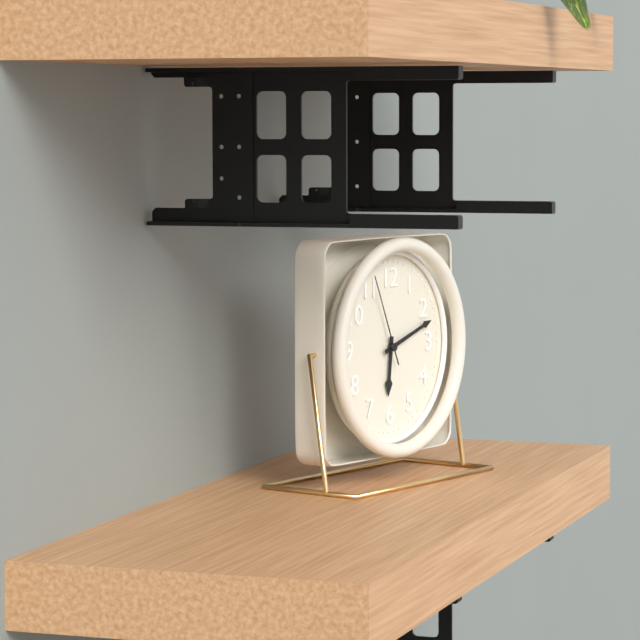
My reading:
6 h 12 min 56 s
